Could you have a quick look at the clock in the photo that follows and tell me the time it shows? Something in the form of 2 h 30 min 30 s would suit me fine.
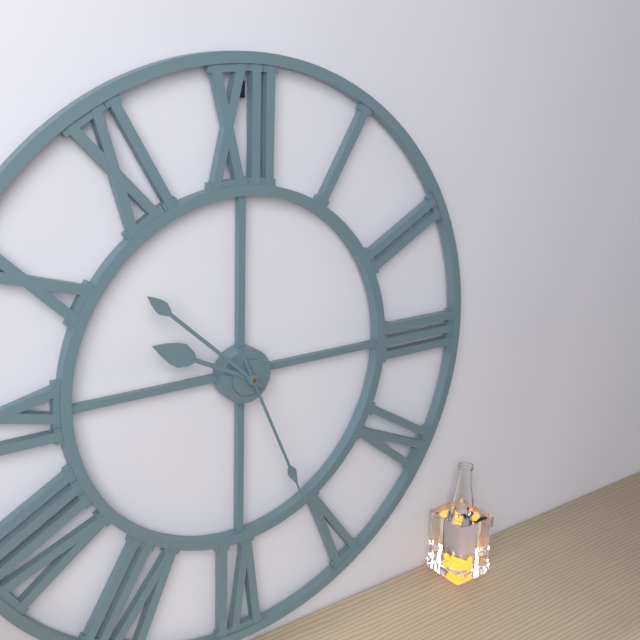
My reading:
9 h 52 min 26 s
